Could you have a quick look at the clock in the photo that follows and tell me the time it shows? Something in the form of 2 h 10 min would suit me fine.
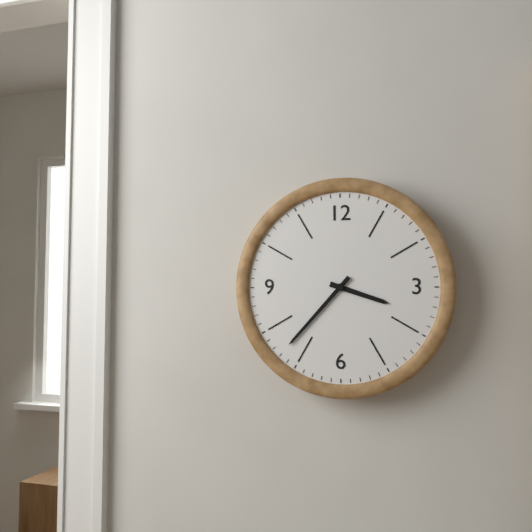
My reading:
3 h 37 min
